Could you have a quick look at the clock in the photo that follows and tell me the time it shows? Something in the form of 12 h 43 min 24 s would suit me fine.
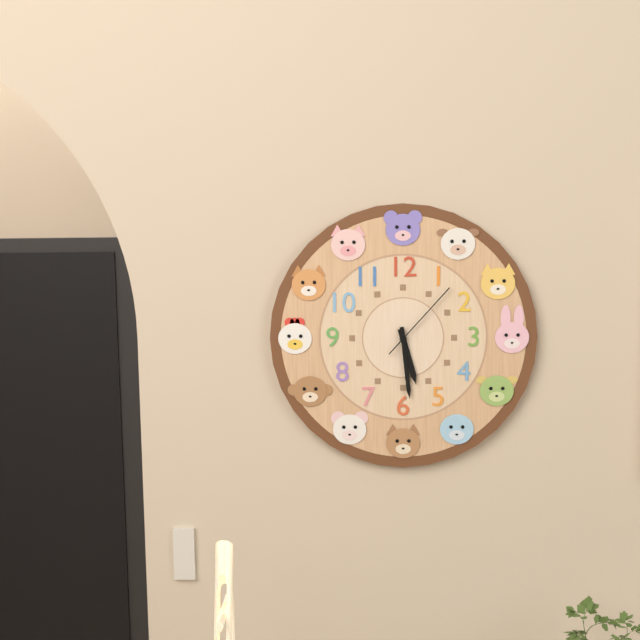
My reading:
5 h 29 min 07 s
